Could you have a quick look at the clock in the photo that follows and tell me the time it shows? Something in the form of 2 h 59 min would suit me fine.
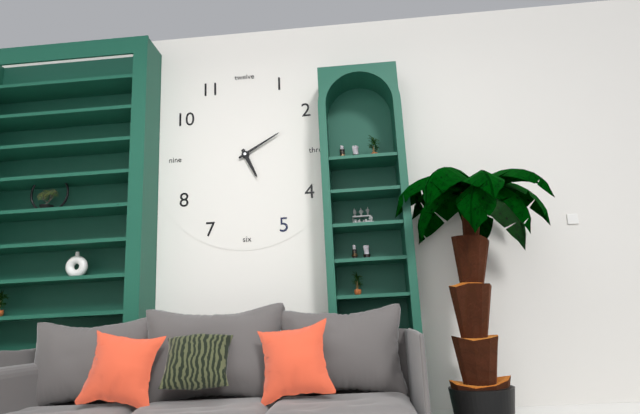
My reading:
5 h 10 min
